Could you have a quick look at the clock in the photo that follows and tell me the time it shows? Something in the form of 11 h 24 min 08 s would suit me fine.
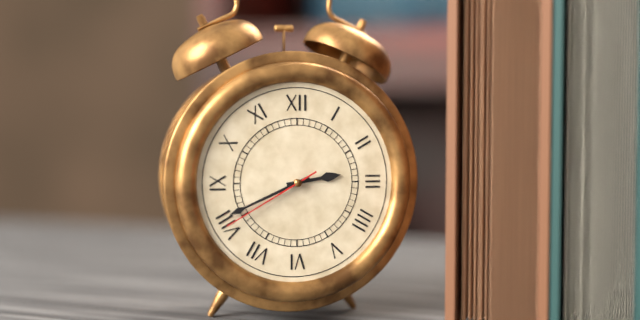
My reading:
2 h 41 min 40 s
